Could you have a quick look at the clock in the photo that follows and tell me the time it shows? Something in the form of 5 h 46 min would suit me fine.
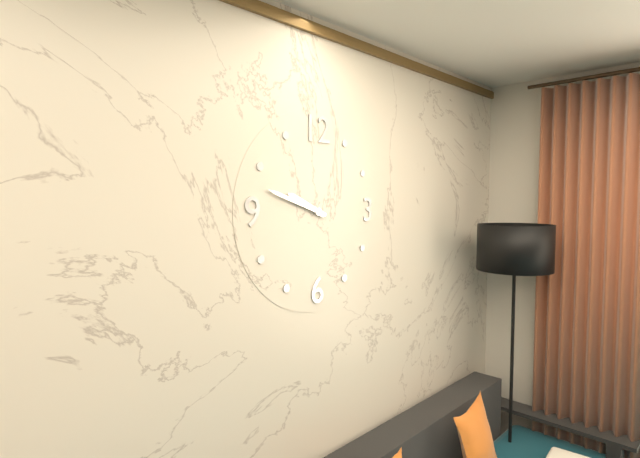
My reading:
9 h 48 min
